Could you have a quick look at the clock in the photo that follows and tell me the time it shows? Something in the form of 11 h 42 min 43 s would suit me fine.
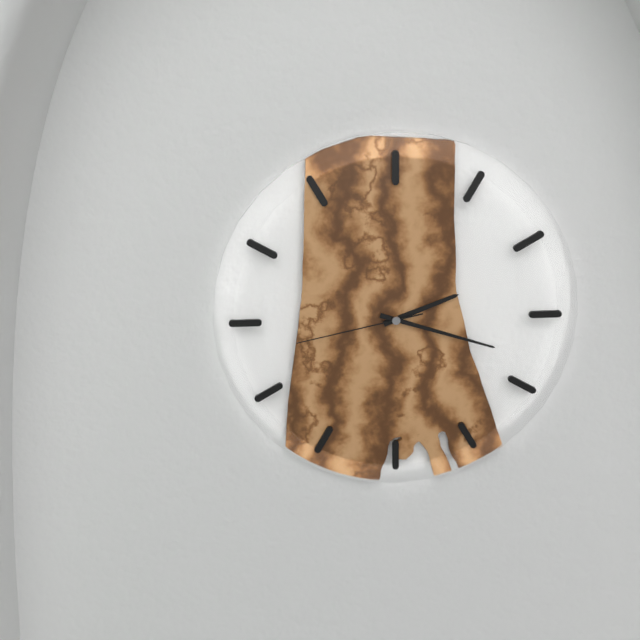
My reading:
2 h 18 min 43 s
